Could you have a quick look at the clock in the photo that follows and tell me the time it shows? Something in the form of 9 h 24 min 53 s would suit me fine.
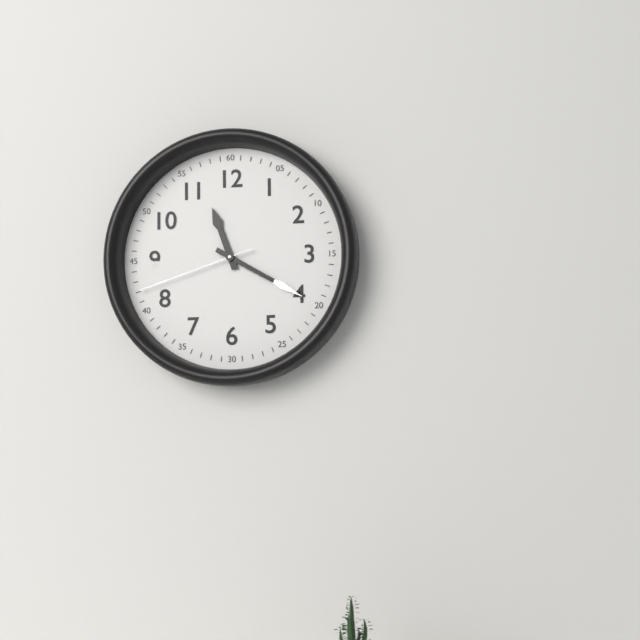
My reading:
11 h 20 min 42 s
